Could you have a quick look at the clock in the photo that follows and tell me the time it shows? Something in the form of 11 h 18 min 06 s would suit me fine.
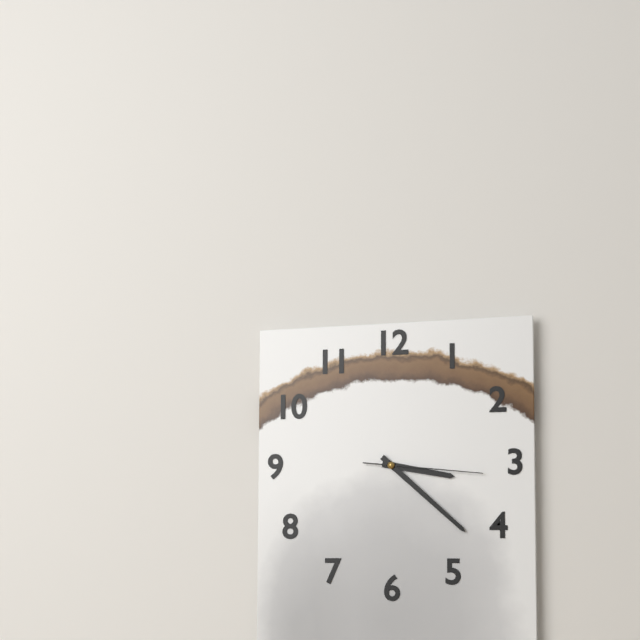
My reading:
3 h 22 min 16 s
